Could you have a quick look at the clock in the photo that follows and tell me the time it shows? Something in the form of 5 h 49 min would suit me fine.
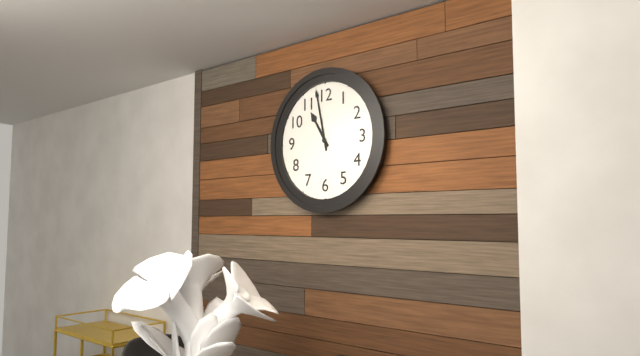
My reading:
10 h 58 min
